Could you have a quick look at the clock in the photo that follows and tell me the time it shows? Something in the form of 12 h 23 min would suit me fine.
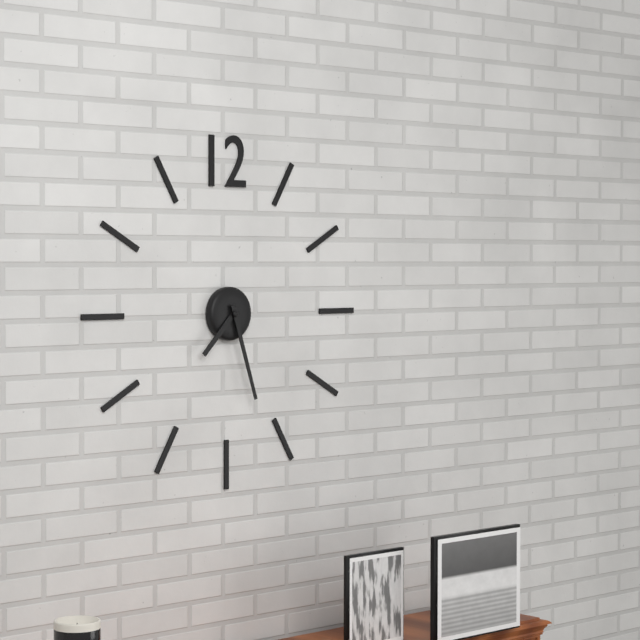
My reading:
7 h 27 min
